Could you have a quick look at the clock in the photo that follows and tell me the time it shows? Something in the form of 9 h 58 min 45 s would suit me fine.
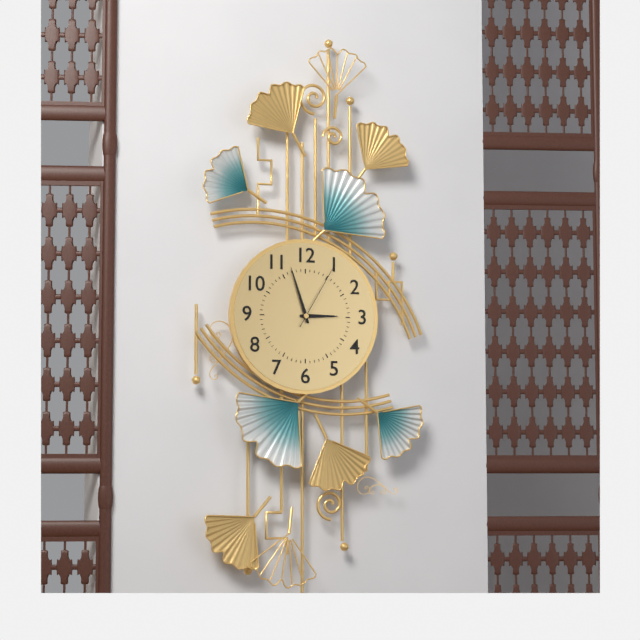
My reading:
2 h 57 min 05 s
